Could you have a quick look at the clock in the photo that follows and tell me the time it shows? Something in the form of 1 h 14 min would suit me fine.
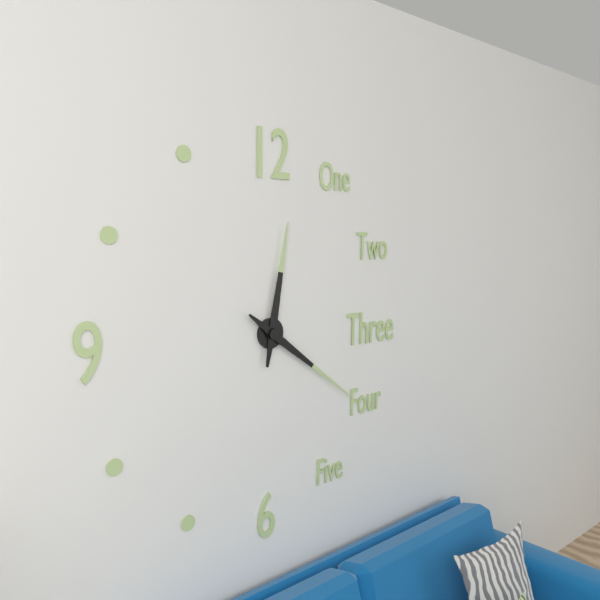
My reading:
12 h 21 min
